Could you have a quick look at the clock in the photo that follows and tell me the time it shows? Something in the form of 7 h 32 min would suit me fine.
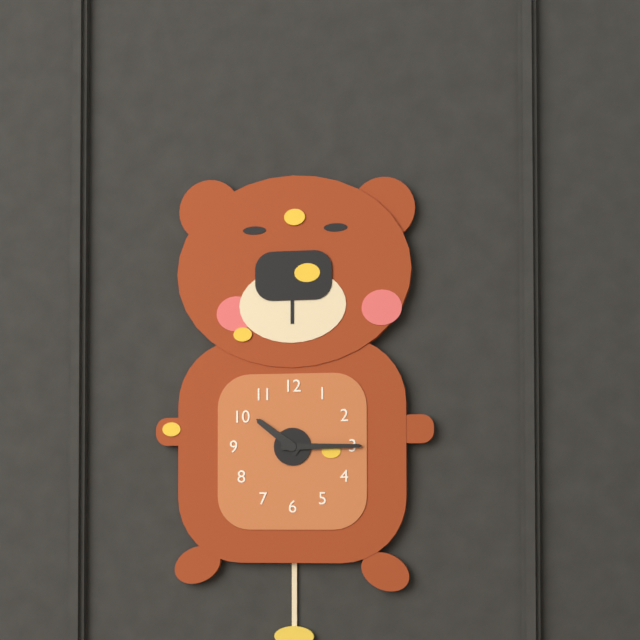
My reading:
10 h 15 min
